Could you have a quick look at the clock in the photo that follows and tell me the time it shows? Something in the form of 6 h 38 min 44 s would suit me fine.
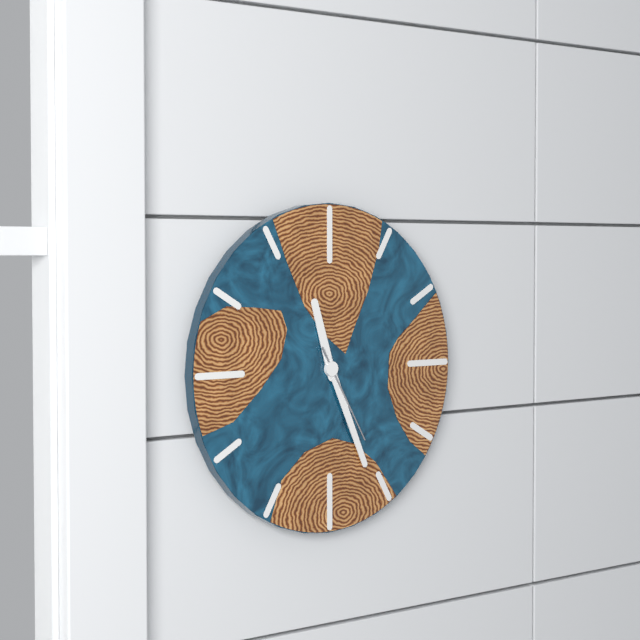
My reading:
11 h 26 min 25 s
